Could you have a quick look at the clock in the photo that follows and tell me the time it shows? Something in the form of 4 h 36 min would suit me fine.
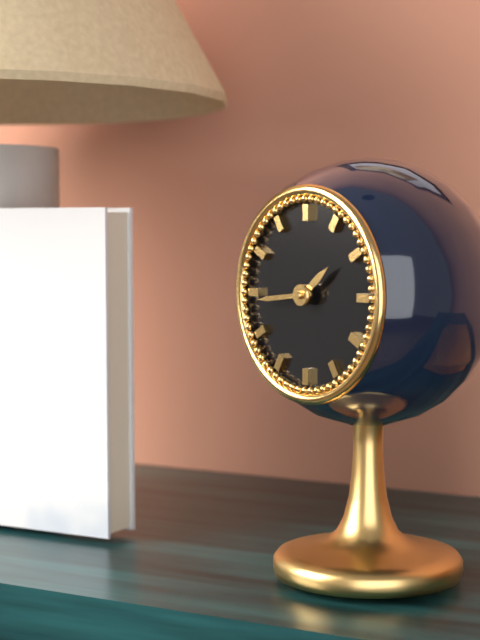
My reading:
1 h 44 min
